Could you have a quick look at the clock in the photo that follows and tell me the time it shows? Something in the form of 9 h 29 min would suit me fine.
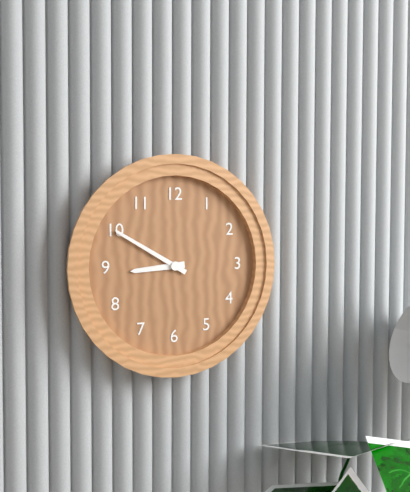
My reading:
8 h 50 min
